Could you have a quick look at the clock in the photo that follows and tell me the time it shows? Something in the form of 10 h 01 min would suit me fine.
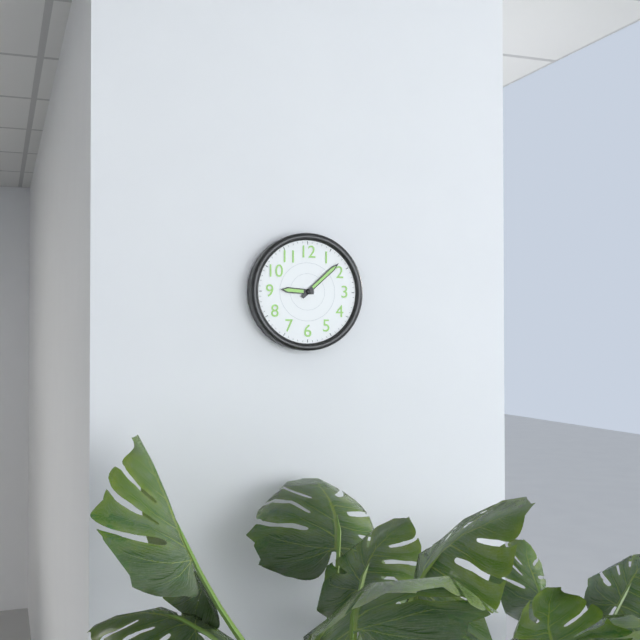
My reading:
9 h 08 min
